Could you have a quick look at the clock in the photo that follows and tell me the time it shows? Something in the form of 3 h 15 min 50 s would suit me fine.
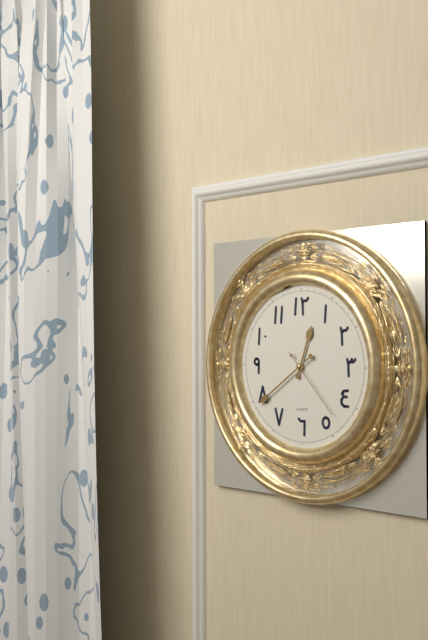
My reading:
12 h 39 min 23 s
